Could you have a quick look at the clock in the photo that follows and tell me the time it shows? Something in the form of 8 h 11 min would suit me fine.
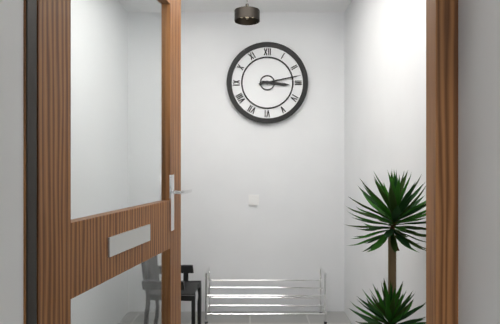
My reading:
3 h 13 min
